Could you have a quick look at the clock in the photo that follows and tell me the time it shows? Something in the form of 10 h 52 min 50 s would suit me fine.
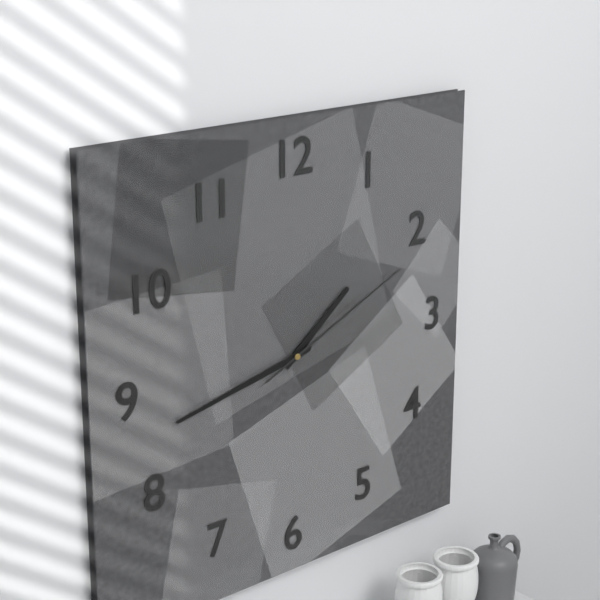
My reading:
1 h 43 min 11 s
